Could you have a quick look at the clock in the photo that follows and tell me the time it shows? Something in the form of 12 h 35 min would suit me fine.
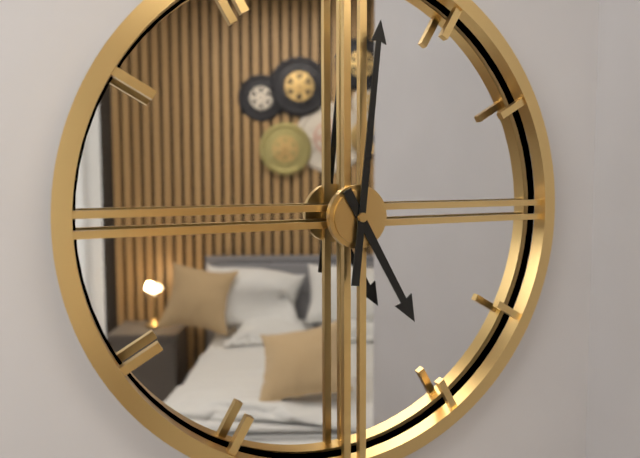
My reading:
5 h 01 min
